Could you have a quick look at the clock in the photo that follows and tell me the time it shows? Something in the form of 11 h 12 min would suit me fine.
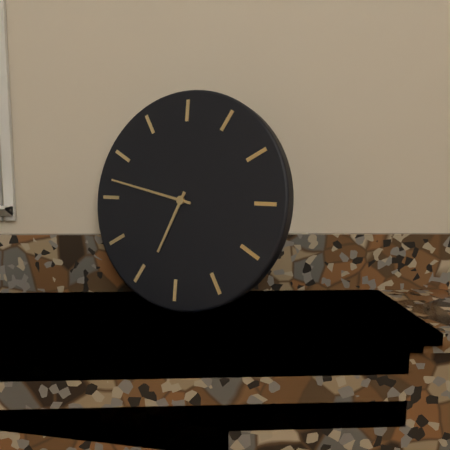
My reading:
6 h 47 min
